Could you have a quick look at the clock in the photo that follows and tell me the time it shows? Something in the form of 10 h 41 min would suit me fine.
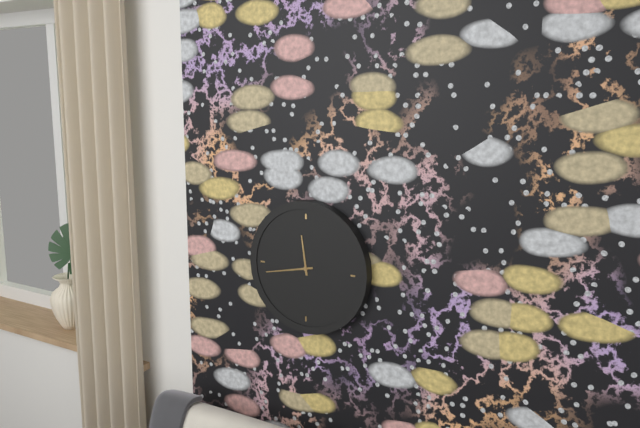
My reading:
11 h 43 min
